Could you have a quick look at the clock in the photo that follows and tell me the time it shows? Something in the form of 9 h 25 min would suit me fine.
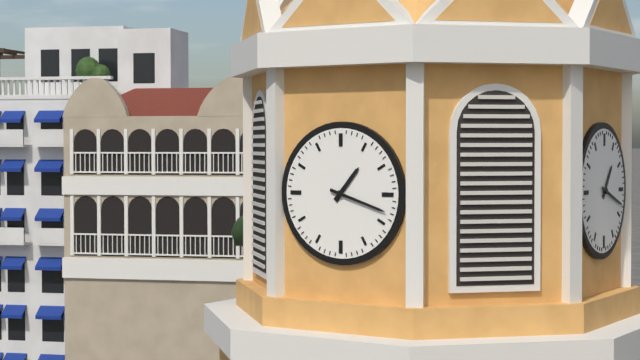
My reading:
1 h 18 min
